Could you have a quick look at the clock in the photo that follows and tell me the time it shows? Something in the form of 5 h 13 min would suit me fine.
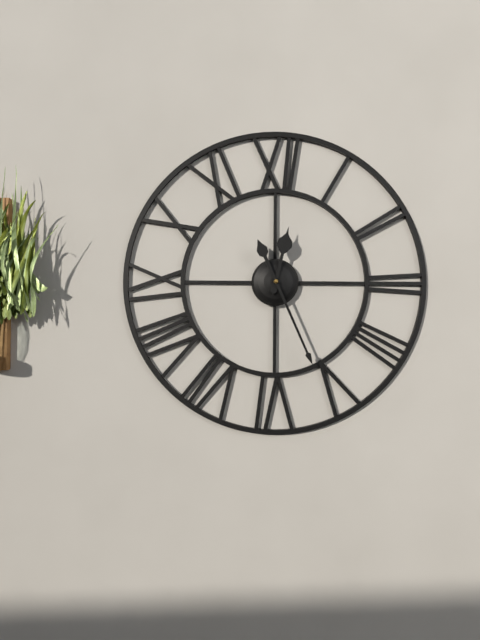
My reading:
12 h 26 min
